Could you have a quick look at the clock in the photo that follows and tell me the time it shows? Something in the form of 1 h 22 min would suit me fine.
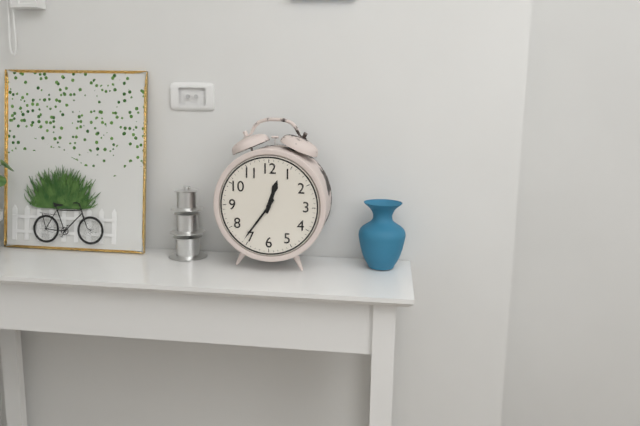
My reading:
12 h 36 min
